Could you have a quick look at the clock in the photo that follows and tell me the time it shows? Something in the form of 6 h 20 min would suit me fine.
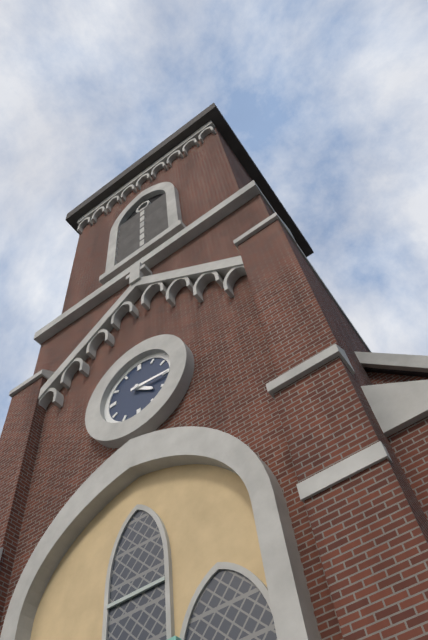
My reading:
4 h 16 min
